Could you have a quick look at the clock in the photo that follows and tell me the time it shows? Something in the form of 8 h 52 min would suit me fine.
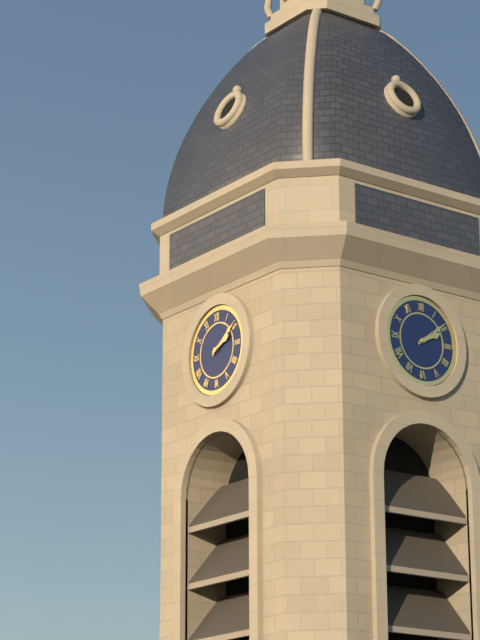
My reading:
2 h 09 min
